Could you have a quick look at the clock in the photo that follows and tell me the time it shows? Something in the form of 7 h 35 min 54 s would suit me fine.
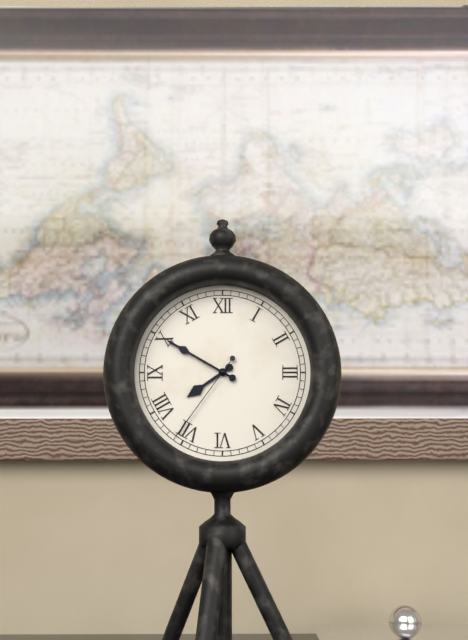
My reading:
7 h 50 min 36 s
